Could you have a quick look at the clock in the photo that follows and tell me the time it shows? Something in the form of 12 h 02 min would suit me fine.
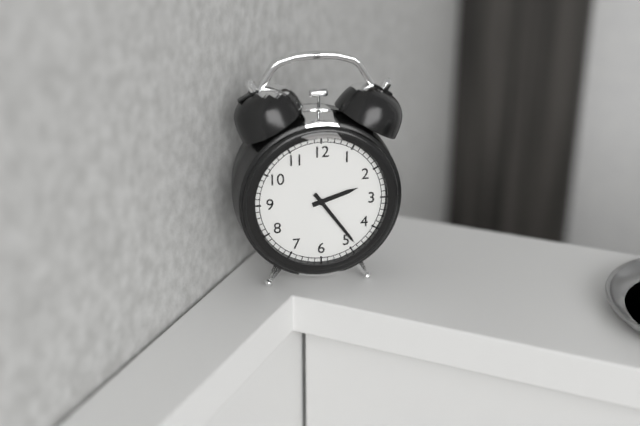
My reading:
2 h 24 min
